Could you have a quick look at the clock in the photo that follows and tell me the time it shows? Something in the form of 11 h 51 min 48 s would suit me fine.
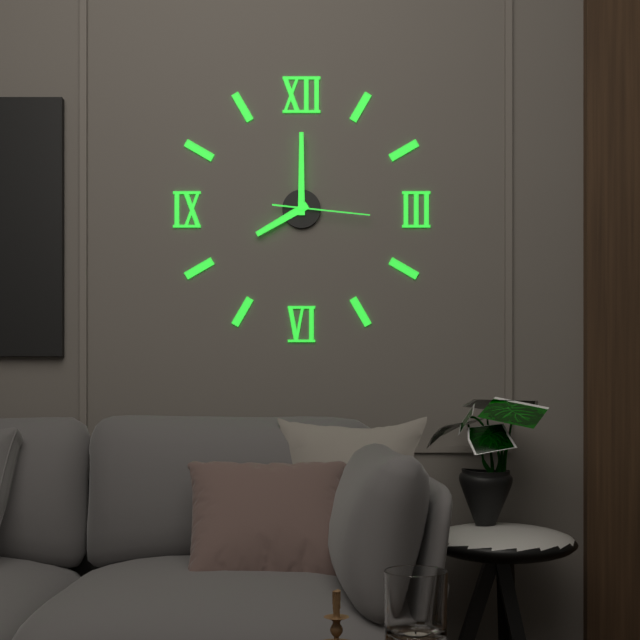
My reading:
8 h 00 min 16 s
